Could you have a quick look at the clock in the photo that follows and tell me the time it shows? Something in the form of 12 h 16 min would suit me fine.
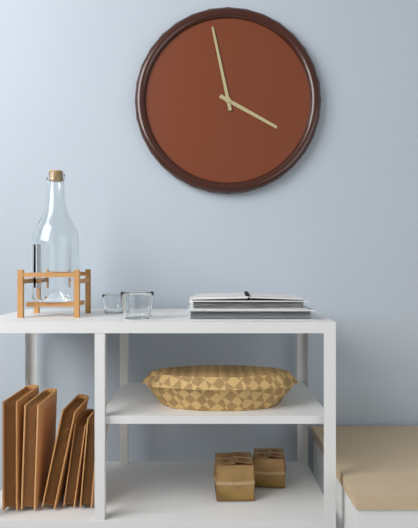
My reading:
3 h 58 min
